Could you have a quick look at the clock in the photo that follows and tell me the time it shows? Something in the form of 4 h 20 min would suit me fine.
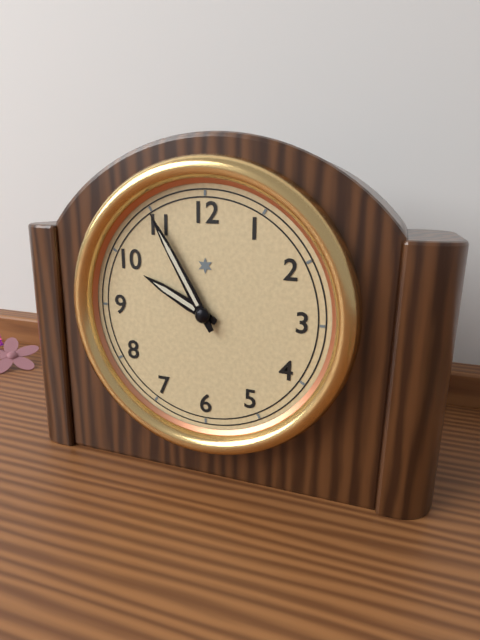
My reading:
9 h 55 min
